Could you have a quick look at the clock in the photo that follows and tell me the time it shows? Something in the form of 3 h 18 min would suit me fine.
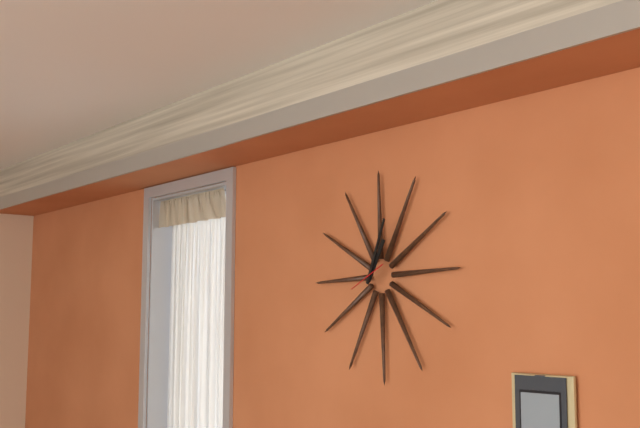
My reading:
1 h 04 min
